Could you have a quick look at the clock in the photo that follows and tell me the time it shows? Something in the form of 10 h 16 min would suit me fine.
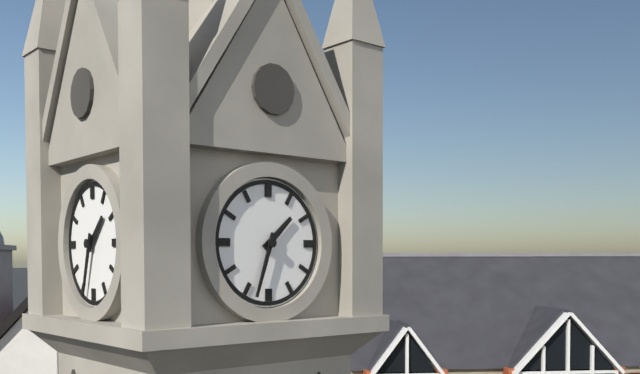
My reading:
1 h 33 min
